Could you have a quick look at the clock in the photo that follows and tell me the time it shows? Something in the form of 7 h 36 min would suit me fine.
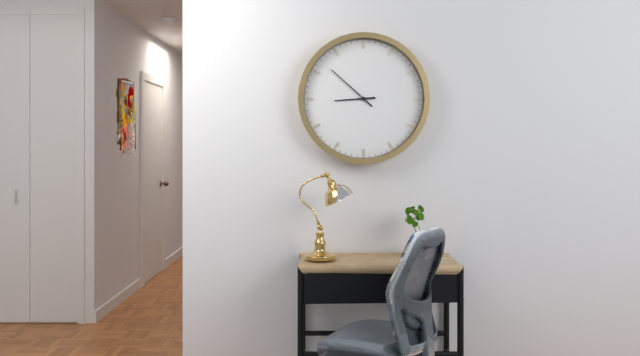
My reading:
8 h 52 min
